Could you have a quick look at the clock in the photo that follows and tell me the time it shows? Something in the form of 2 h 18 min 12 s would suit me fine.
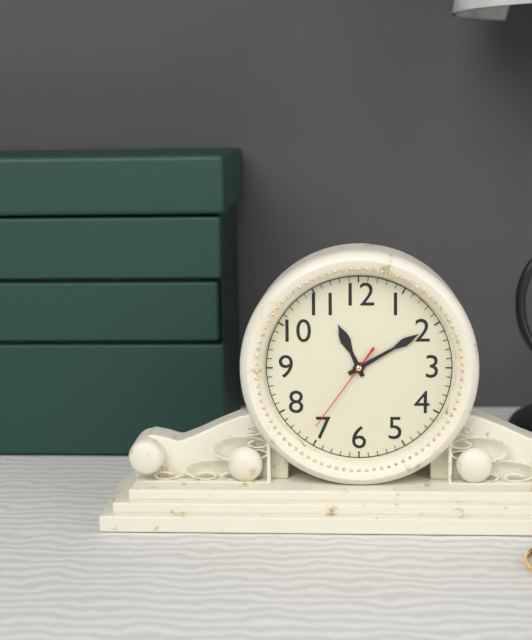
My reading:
11 h 10 min 36 s
